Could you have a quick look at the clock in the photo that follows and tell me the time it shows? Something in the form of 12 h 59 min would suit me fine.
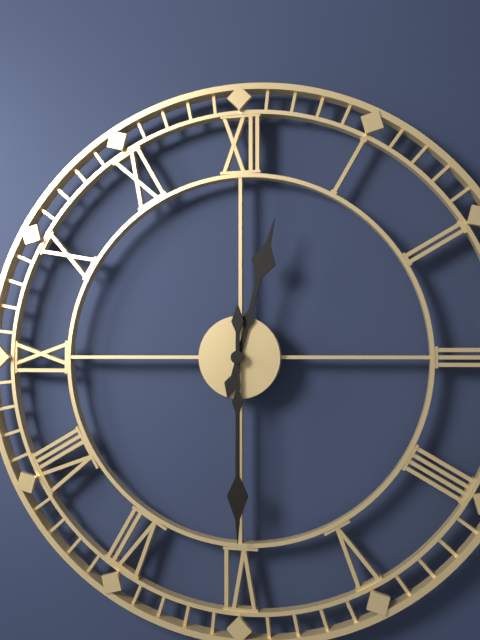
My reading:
12 h 30 min
